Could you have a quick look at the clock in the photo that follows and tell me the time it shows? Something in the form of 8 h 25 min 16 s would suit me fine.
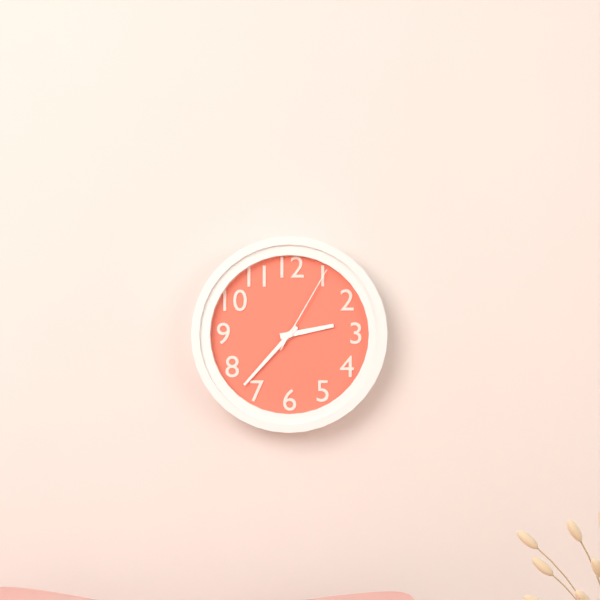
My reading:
2 h 37 min 05 s
